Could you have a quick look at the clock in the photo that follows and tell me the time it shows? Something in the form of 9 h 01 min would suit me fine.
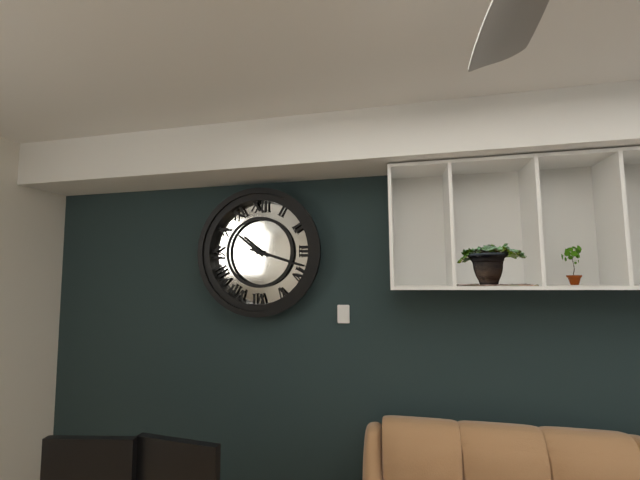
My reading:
10 h 18 min
